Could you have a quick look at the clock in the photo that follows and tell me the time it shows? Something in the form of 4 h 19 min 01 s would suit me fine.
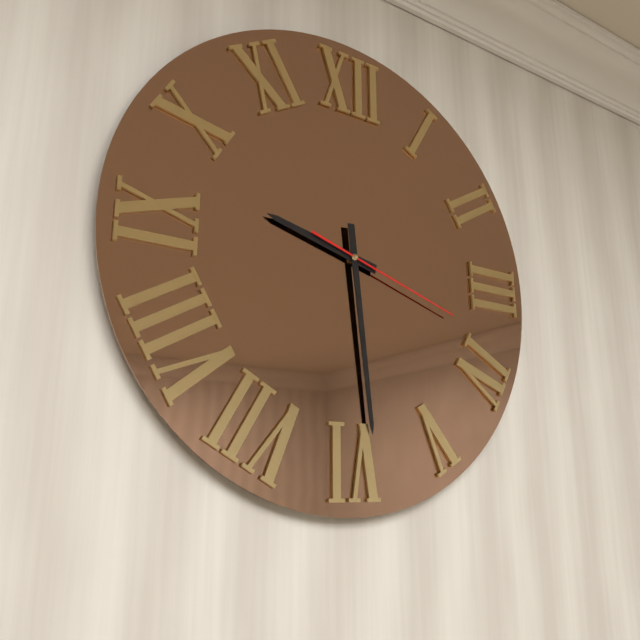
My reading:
9 h 29 min 18 s
